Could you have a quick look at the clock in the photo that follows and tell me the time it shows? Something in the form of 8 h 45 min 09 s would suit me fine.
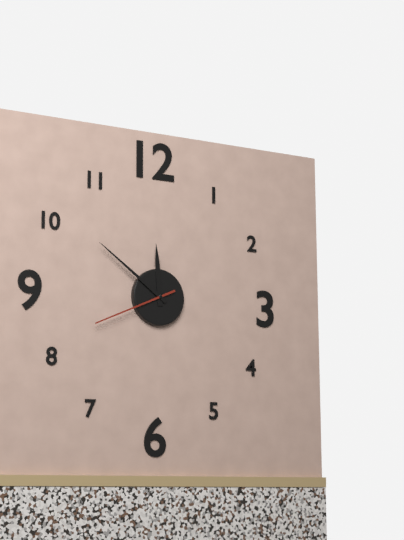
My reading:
11 h 51 min 41 s
